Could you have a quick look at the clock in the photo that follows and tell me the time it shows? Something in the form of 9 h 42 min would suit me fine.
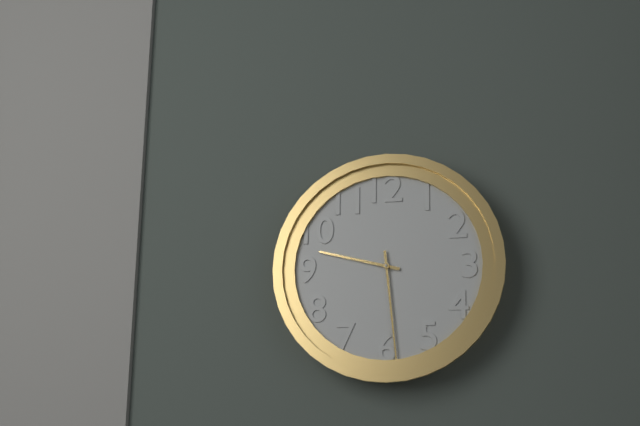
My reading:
9 h 29 min
